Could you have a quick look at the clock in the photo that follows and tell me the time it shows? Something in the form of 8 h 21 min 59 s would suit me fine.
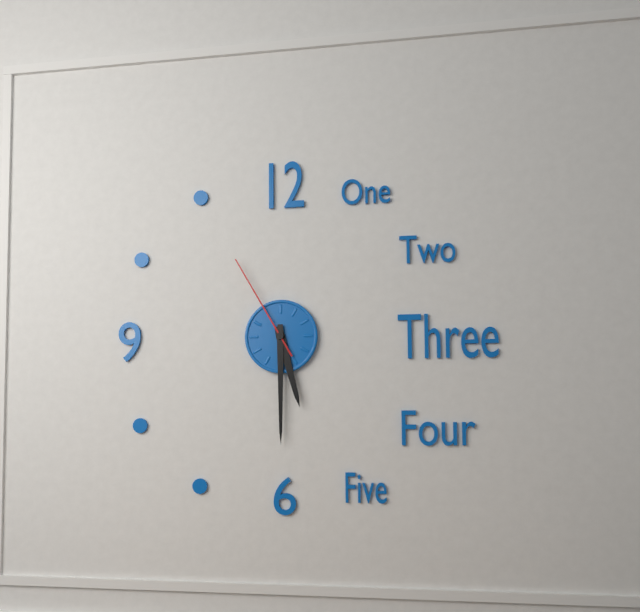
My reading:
5 h 30 min 55 s
